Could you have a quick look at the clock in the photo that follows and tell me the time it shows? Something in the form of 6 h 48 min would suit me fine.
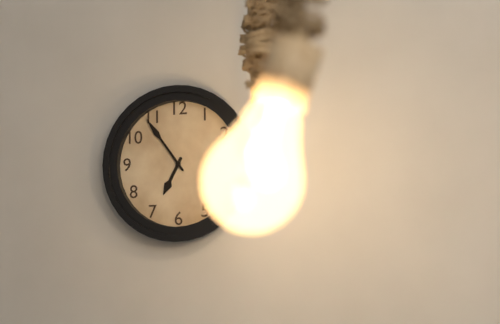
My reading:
6 h 54 min
